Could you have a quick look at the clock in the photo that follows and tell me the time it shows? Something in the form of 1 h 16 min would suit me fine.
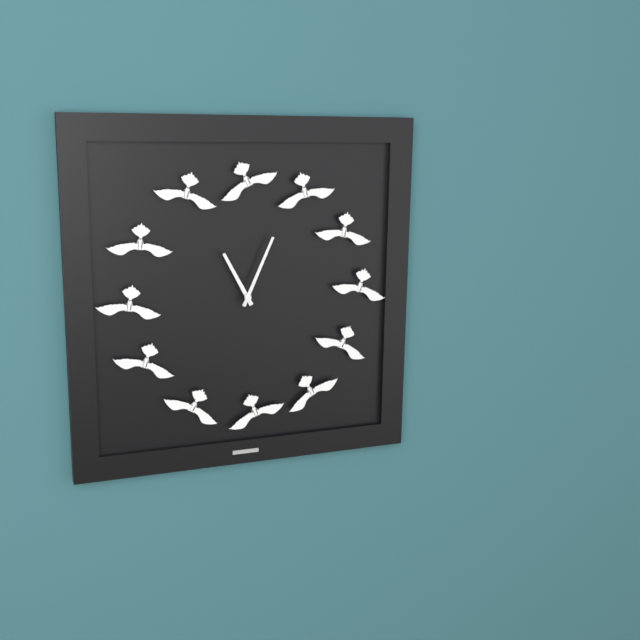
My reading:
11 h 04 min
